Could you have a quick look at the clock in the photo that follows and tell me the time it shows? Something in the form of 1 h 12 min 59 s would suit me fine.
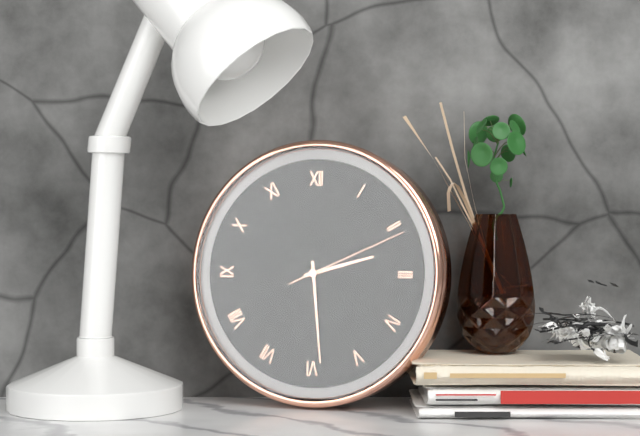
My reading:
2 h 29 min 11 s
